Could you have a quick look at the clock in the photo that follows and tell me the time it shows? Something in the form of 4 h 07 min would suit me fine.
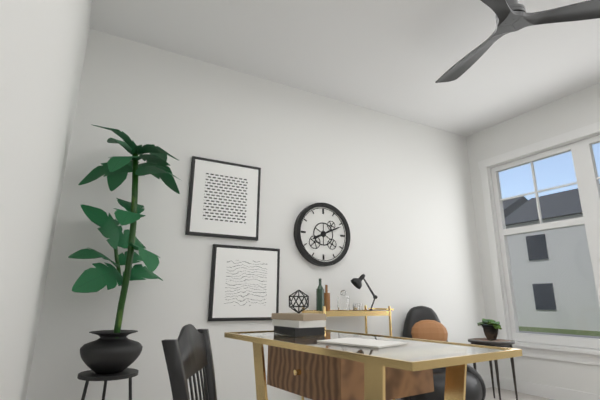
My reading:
8 h 11 min
